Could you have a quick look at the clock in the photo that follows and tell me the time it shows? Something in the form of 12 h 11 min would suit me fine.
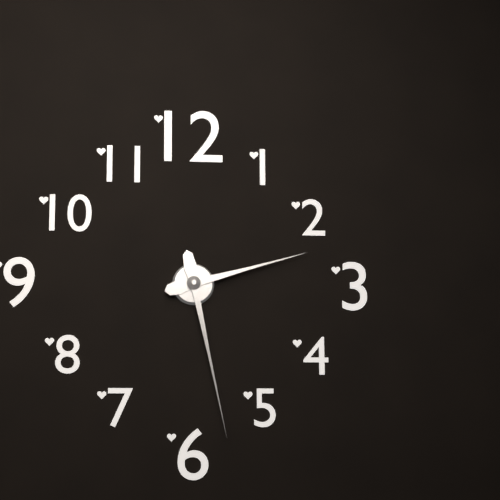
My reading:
2 h 28 min
